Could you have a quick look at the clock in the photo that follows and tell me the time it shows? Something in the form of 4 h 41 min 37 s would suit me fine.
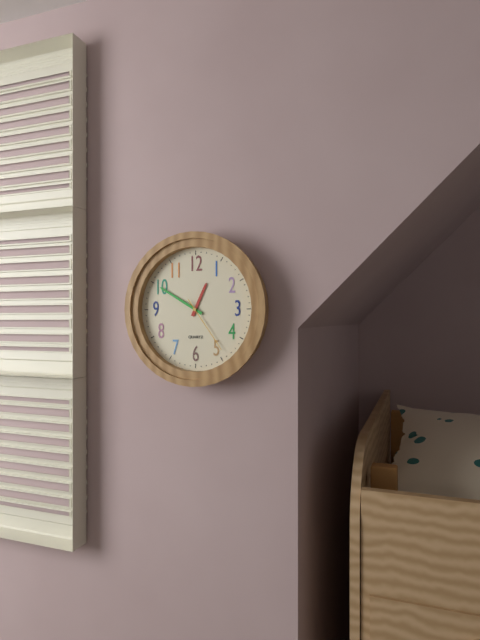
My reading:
12 h 50 min 24 s
